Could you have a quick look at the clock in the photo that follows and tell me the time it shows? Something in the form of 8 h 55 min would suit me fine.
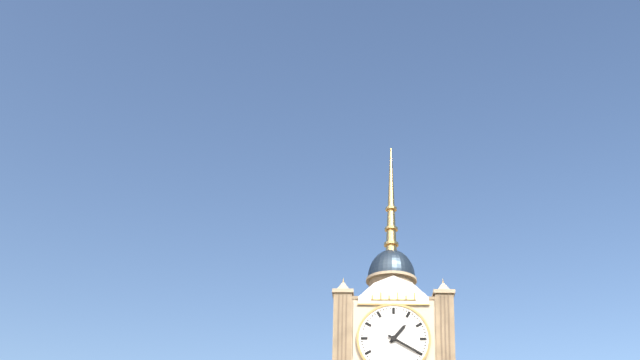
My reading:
1 h 20 min
